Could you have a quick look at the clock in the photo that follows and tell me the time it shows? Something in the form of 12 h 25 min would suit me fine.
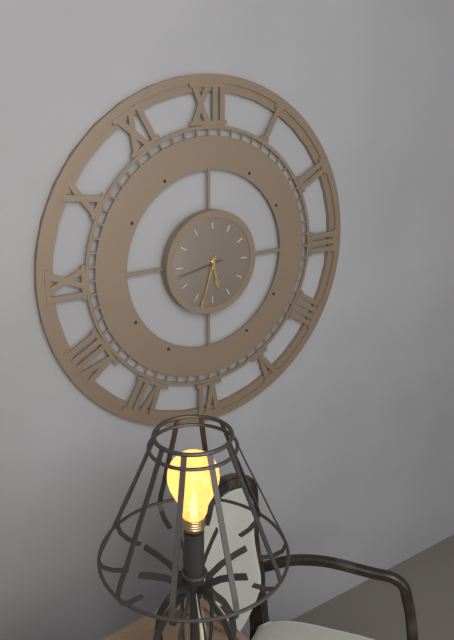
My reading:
5 h 33 min
